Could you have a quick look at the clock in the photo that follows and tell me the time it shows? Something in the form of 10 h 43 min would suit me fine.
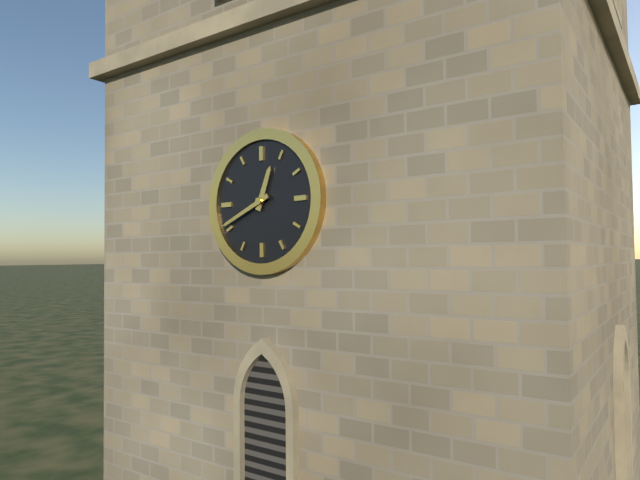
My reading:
12 h 41 min
